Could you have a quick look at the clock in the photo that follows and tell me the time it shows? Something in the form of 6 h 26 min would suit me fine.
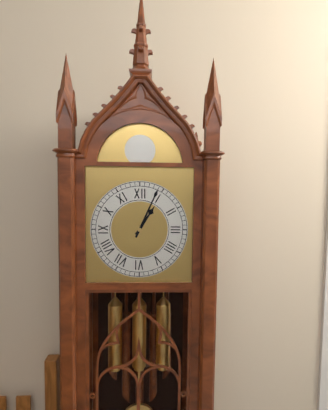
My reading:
1 h 04 min
